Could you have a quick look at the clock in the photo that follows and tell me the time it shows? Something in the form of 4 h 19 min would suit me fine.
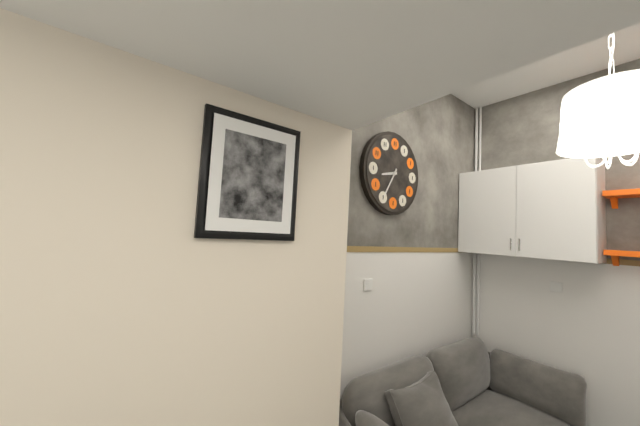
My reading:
8 h 35 min
